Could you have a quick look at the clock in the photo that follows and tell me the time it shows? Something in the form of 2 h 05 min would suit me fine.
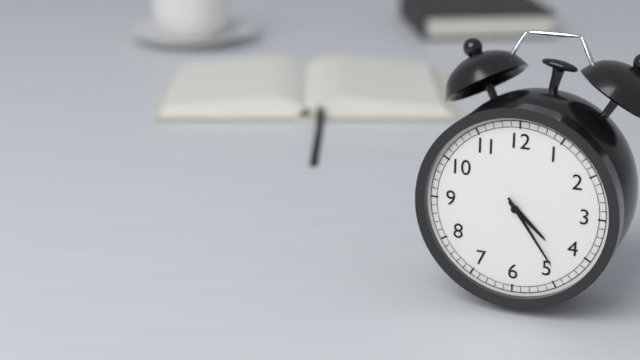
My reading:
4 h 24 min
